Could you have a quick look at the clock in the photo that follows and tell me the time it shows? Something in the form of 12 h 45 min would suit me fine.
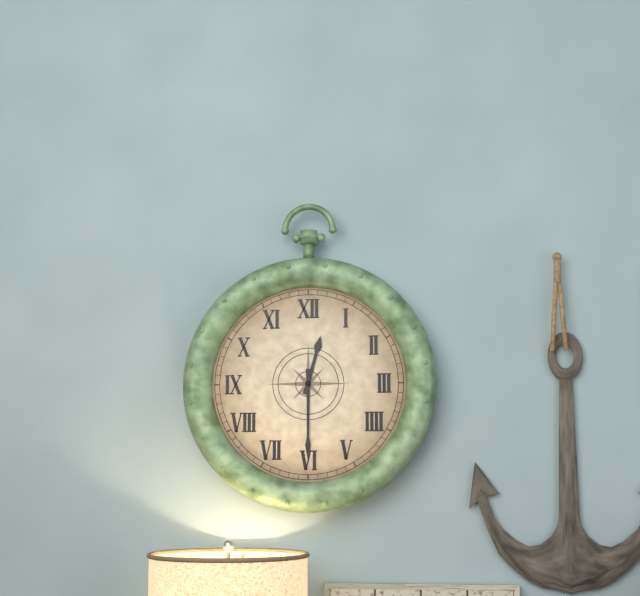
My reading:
12 h 30 min
